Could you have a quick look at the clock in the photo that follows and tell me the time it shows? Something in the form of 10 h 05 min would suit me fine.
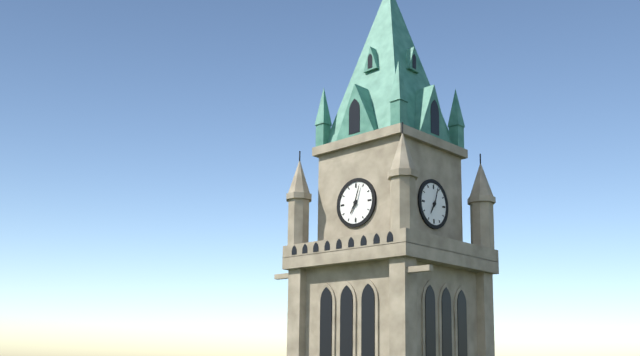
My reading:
7 h 03 min
